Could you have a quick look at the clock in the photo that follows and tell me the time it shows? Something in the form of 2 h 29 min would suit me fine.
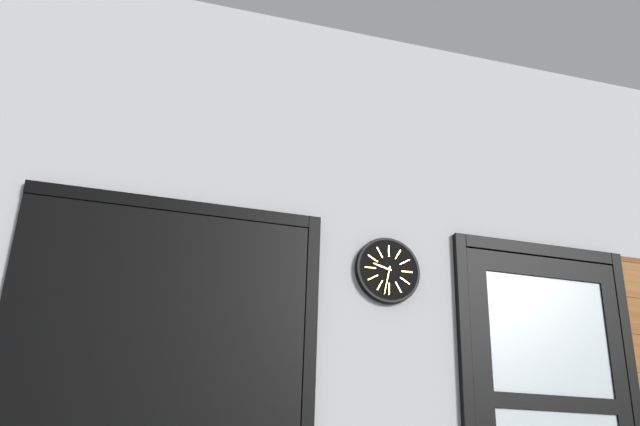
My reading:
9 h 32 min
